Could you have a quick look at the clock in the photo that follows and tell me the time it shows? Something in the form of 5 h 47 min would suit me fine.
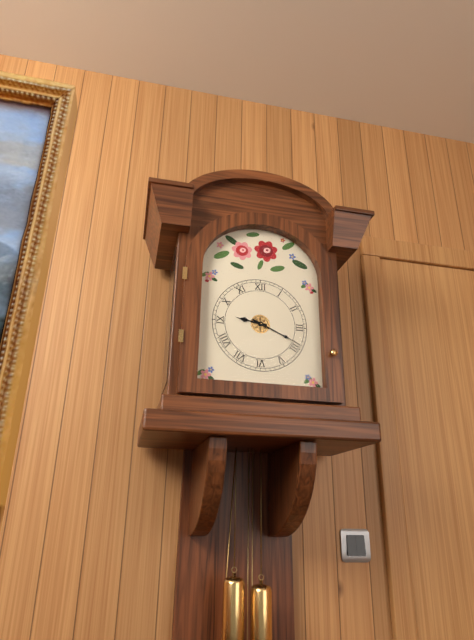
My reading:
9 h 19 min
